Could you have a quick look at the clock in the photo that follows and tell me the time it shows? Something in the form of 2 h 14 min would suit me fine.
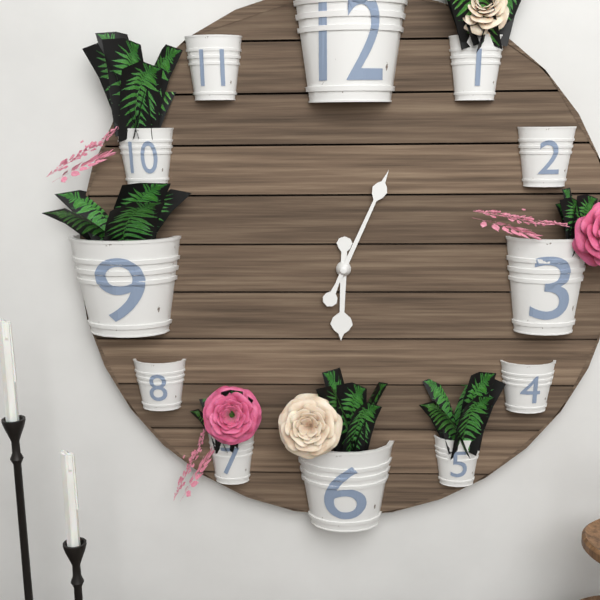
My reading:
6 h 04 min
